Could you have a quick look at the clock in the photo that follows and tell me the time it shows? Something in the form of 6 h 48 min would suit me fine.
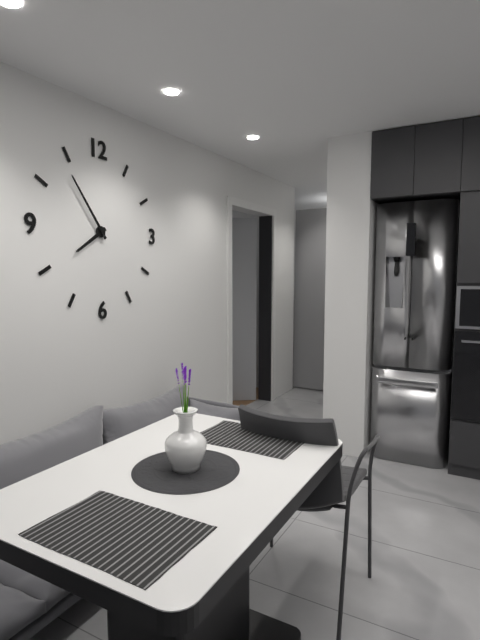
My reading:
7 h 54 min
